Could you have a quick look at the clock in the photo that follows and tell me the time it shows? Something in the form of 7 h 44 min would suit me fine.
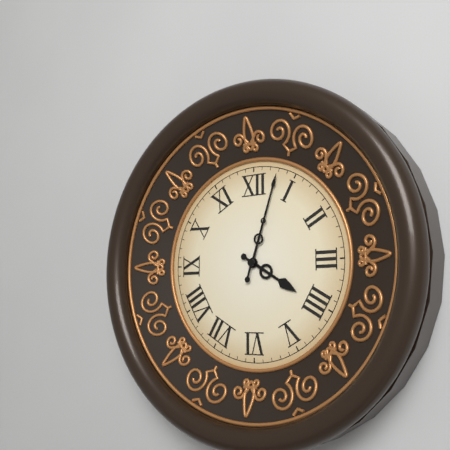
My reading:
4 h 03 min
